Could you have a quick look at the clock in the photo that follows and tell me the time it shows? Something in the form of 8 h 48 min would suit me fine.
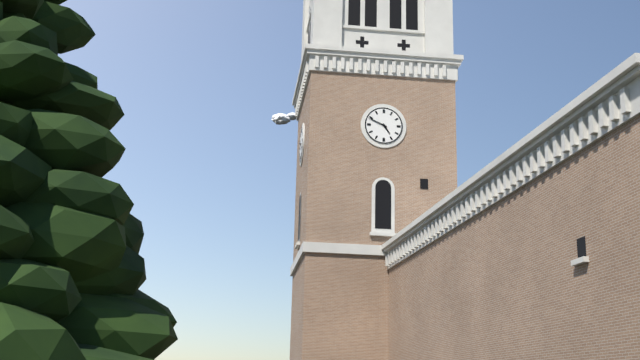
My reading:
4 h 49 min
